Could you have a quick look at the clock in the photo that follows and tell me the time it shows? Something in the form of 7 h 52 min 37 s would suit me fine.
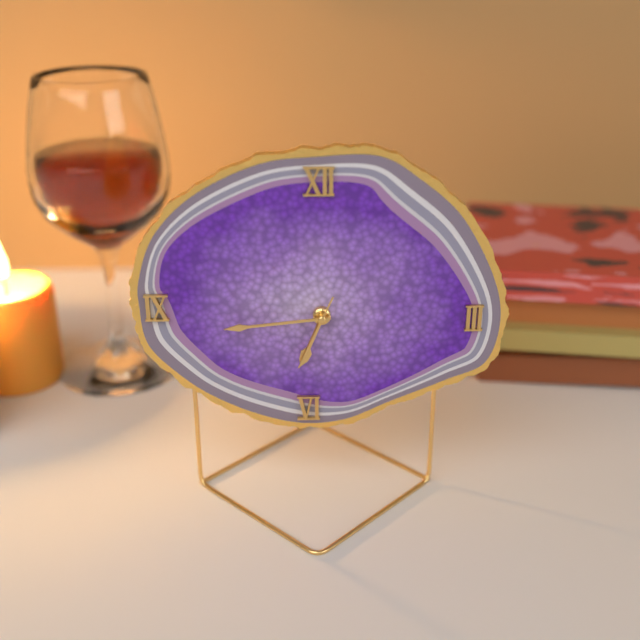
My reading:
6 h 44 min 34 s
